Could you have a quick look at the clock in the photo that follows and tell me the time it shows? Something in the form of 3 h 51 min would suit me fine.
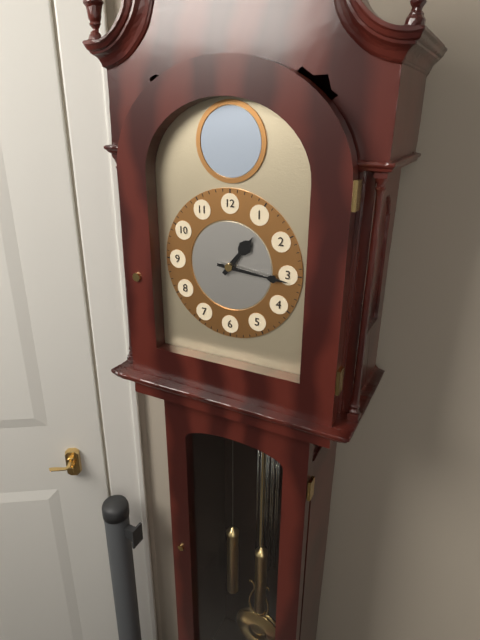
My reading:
1 h 16 min
